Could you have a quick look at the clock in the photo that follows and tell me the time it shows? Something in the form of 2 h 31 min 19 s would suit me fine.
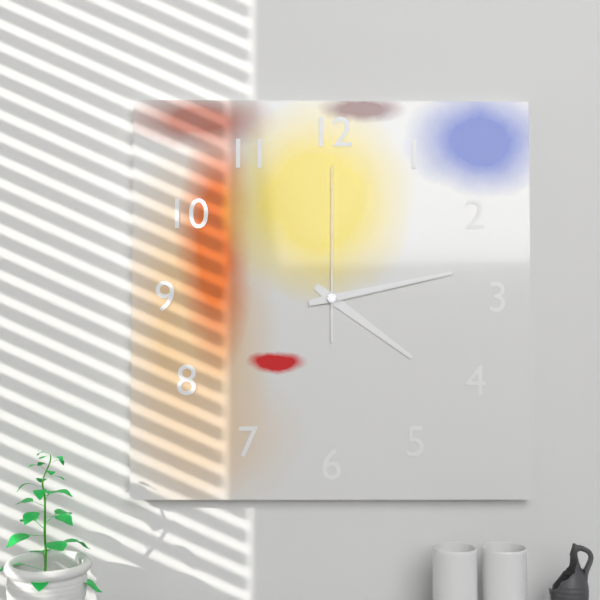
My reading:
4 h 13 min 00 s
